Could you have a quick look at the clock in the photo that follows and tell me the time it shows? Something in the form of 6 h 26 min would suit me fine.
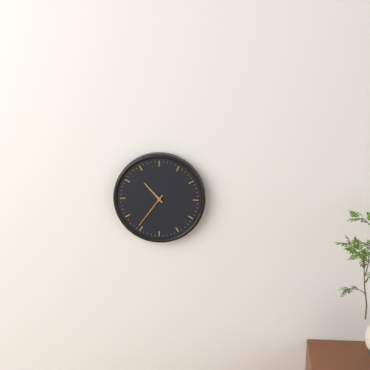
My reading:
10 h 36 min
